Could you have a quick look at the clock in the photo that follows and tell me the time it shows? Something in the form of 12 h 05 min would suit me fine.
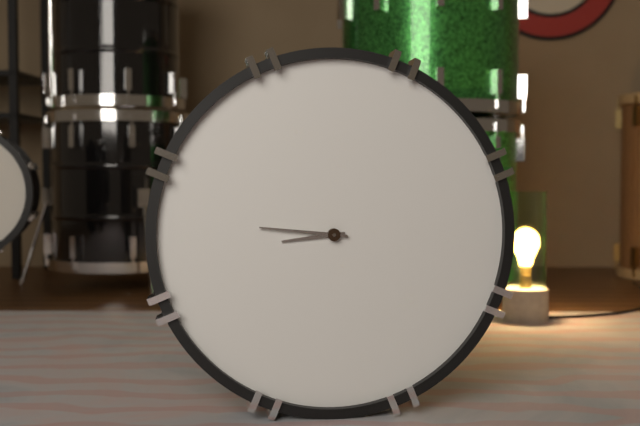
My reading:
8 h 46 min
